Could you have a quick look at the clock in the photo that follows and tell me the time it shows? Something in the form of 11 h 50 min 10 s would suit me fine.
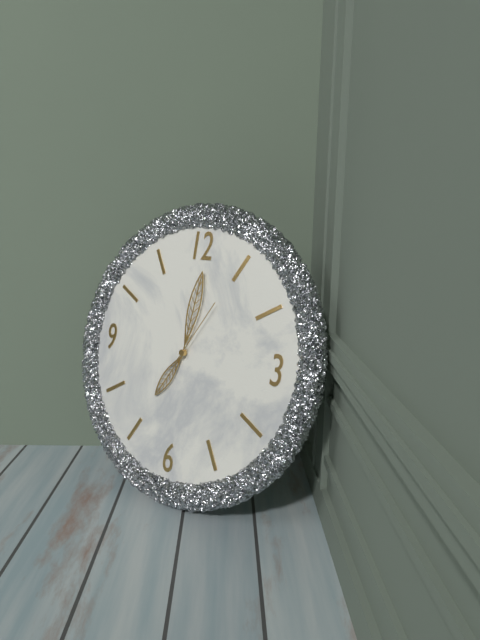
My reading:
7 h 01 min 05 s
